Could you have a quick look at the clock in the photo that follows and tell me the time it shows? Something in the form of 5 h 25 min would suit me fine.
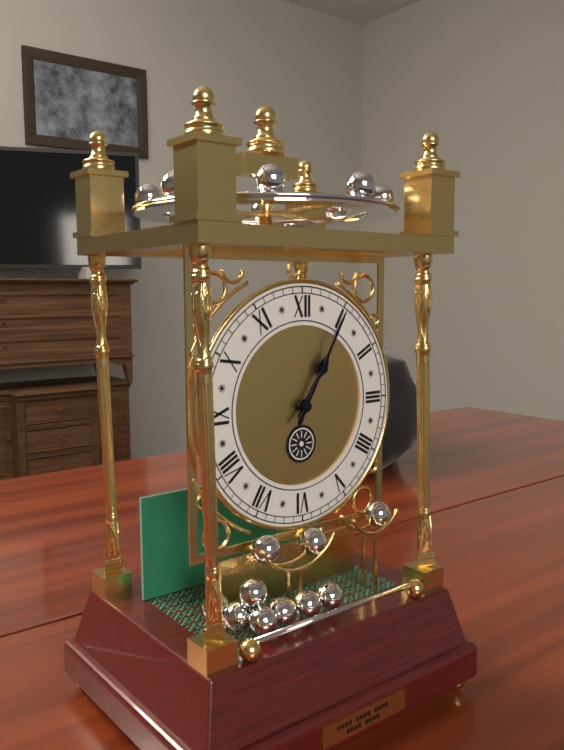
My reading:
1 h 05 min
